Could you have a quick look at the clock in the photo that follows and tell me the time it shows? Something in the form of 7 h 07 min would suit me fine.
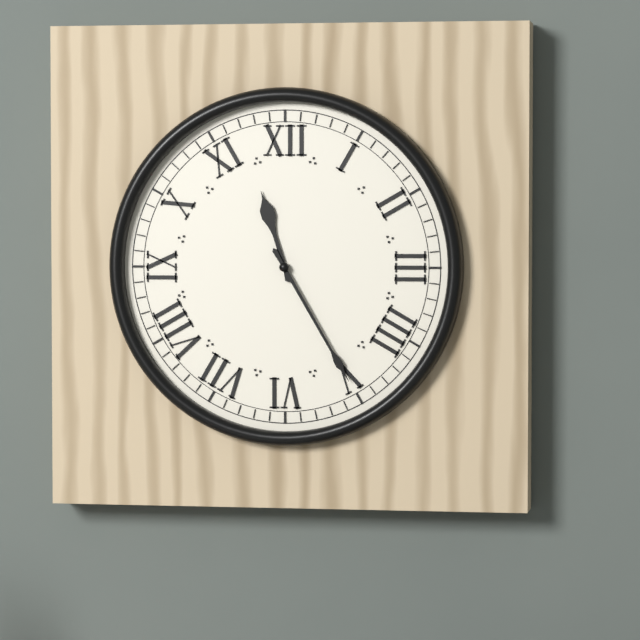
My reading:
11 h 25 min
